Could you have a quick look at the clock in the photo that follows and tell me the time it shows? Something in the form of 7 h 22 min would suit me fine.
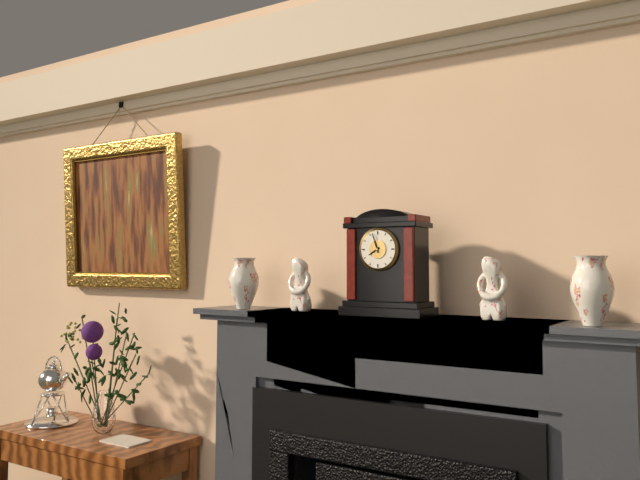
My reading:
7 h 57 min
